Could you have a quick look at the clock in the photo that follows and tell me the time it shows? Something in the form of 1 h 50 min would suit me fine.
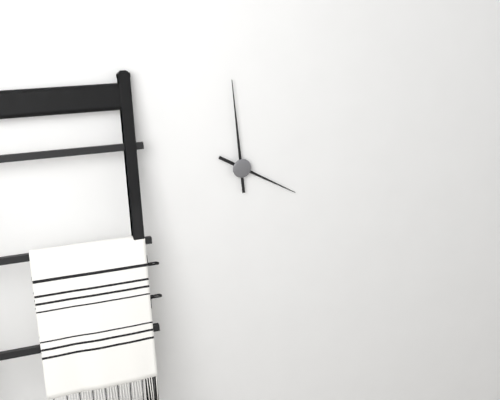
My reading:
3 h 59 min
